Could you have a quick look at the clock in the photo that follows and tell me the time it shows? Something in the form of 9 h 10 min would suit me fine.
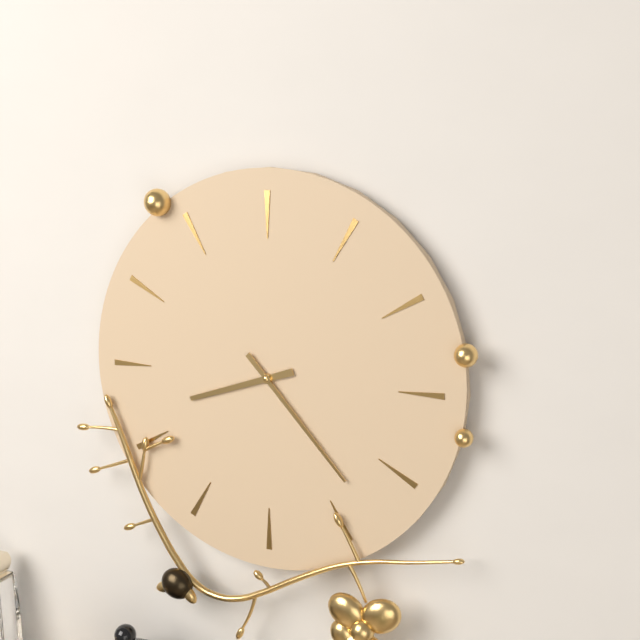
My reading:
8 h 23 min
